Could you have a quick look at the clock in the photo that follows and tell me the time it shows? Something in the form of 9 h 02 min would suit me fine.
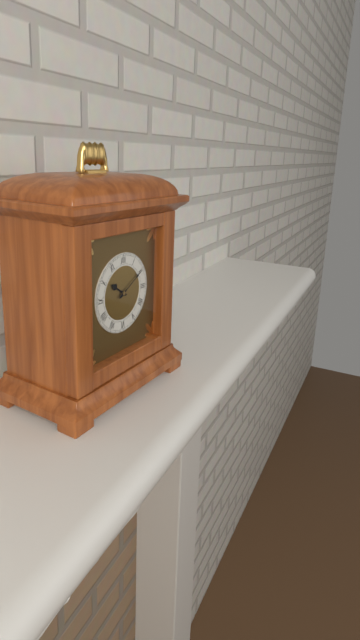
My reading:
10 h 10 min
